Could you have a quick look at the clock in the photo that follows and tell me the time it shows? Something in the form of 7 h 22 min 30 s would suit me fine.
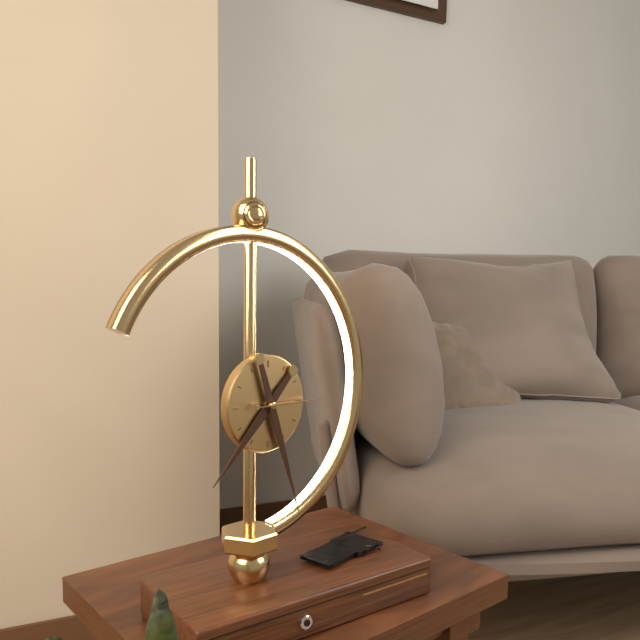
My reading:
7 h 27 min 15 s
